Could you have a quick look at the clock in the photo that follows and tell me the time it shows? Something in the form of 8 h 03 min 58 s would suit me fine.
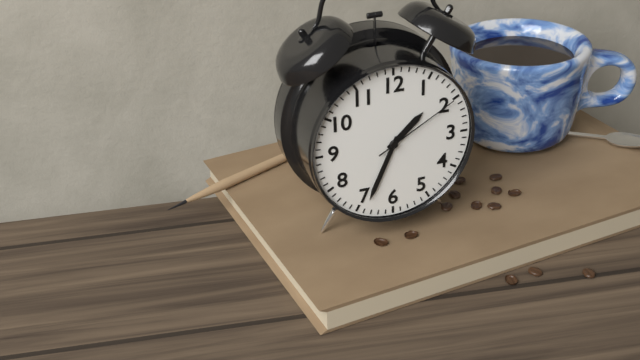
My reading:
1 h 34 min 10 s
